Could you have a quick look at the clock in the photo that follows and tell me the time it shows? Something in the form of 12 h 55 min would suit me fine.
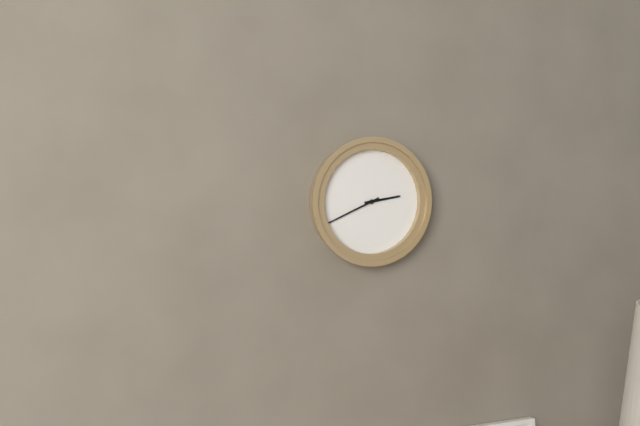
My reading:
2 h 41 min
